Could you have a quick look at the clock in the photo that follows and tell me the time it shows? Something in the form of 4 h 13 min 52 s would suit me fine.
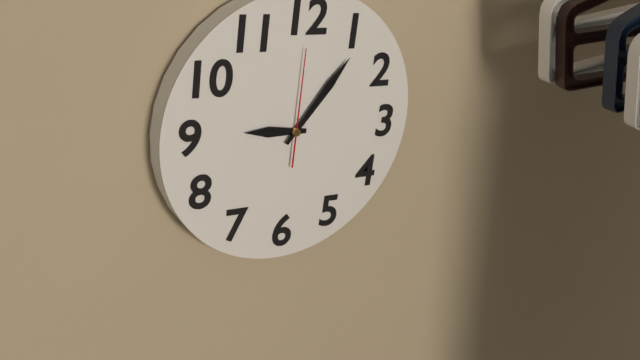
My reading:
9 h 06 min 00 s
